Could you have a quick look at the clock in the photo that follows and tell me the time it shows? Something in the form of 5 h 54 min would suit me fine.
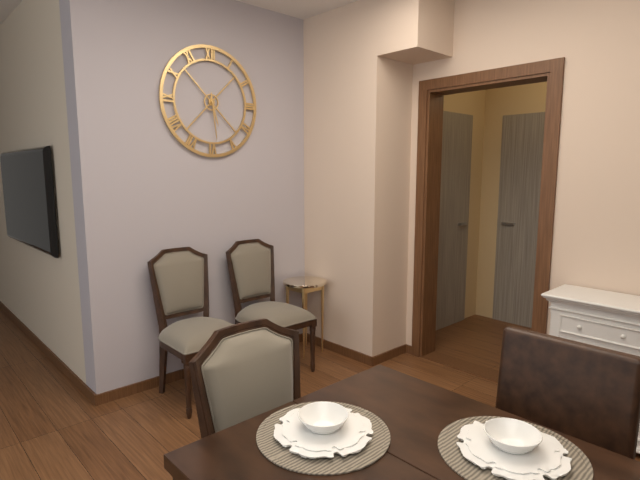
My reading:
5 h 29 min
